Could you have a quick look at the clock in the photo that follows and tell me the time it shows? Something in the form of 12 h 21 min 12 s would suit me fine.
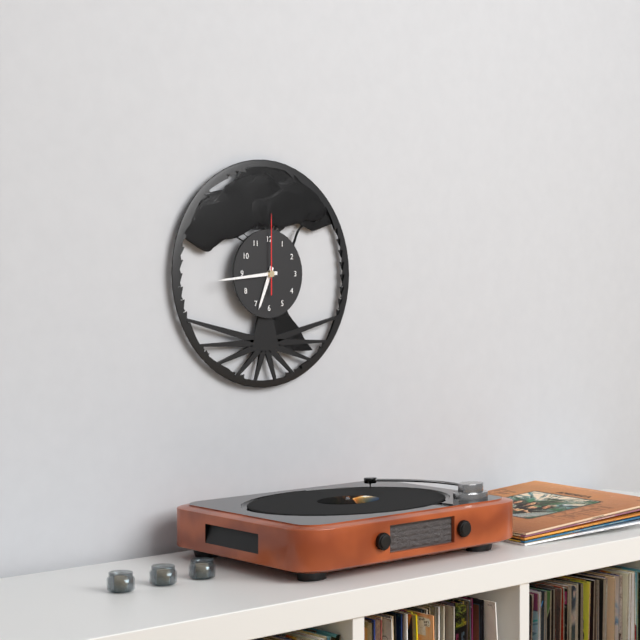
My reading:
6 h 44 min 00 s
